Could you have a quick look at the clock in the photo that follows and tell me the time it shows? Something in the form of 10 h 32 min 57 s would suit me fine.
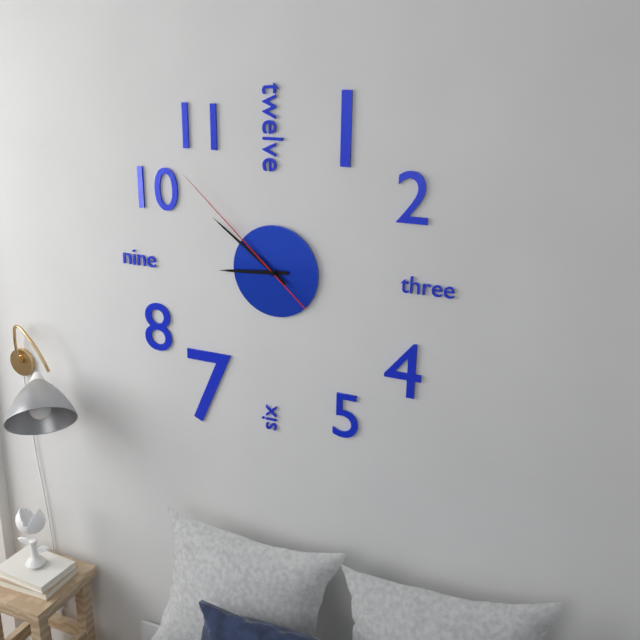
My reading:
8 h 51 min 52 s
